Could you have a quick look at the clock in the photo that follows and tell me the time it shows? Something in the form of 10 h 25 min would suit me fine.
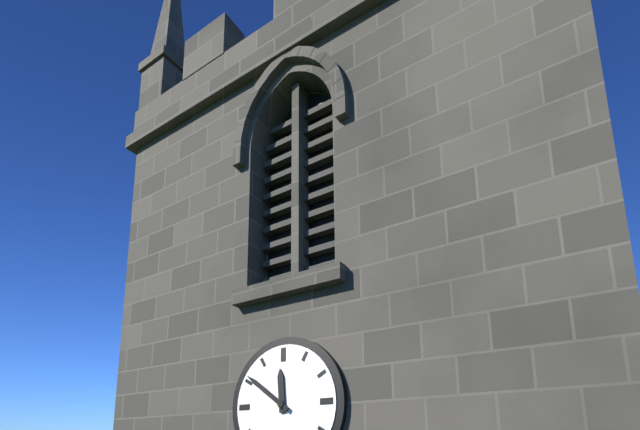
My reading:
11 h 51 min
